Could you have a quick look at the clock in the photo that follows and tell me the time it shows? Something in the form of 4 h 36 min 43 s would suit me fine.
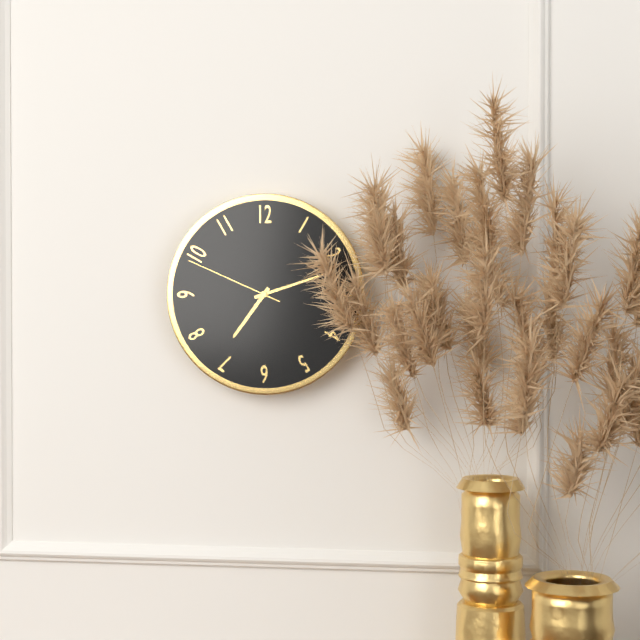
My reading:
7 h 12 min 49 s
